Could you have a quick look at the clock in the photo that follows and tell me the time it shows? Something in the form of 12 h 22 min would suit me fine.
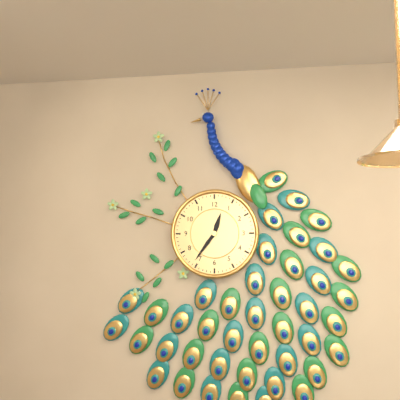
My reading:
12 h 36 min
